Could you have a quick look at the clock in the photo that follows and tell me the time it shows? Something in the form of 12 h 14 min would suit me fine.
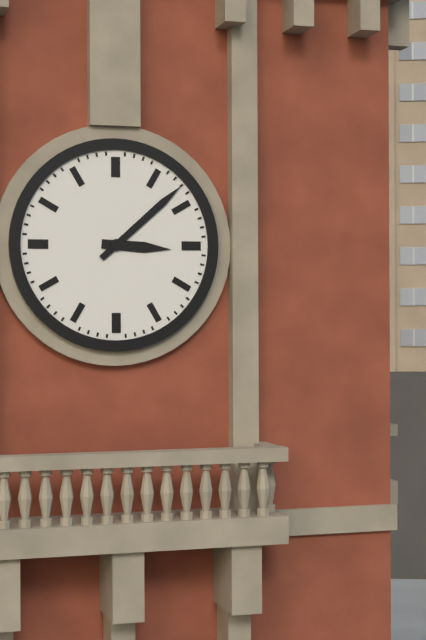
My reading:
3 h 08 min
